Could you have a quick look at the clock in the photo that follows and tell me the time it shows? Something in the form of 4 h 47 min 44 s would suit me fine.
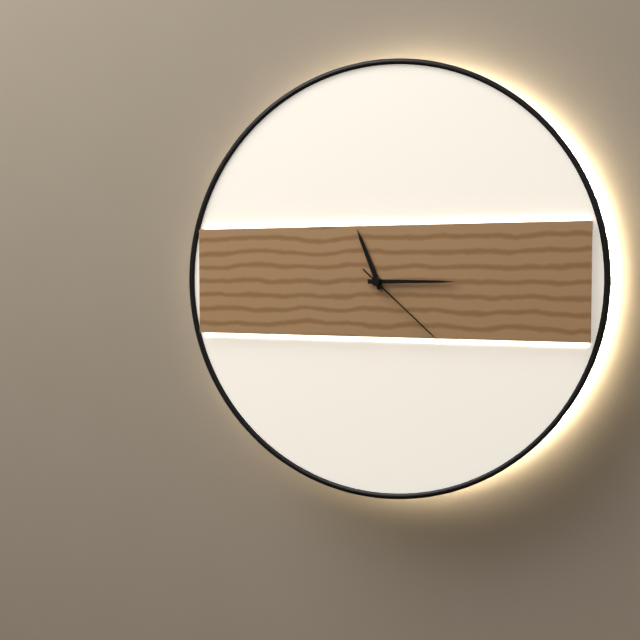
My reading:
11 h 15 min 22 s
